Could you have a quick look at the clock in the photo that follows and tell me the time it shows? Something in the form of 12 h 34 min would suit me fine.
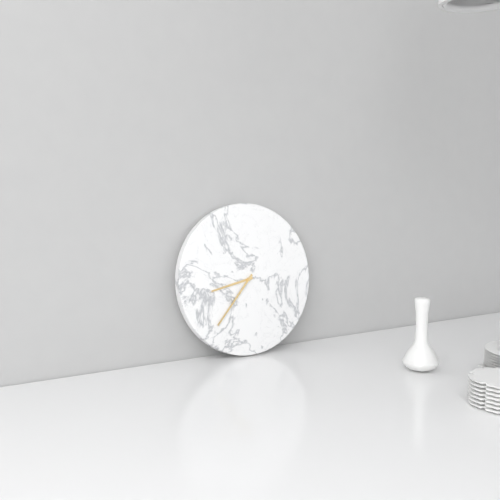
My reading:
8 h 37 min
